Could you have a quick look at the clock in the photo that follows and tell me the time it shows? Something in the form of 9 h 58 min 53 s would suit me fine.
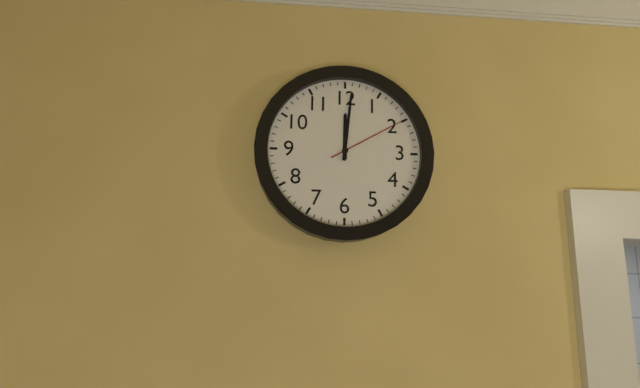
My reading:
12 h 01 min 10 s
